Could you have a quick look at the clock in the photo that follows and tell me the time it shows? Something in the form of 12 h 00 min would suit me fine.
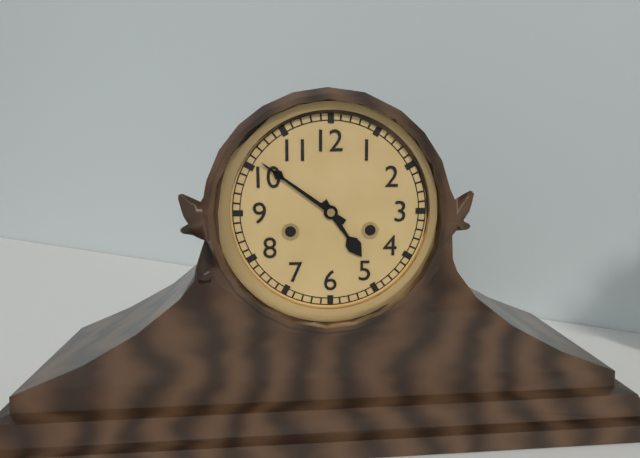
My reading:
4 h 51 min
